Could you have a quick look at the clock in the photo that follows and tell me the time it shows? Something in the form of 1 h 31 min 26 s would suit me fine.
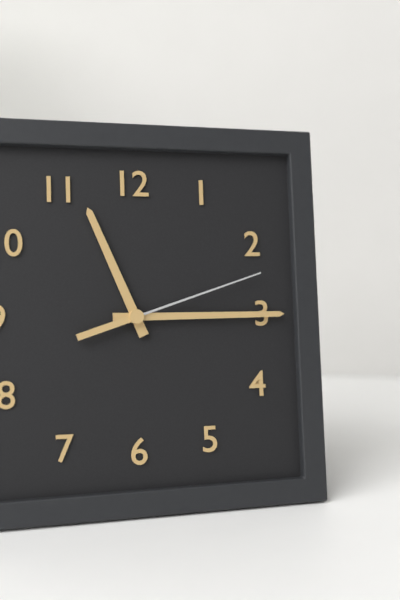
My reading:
11 h 15 min 12 s
